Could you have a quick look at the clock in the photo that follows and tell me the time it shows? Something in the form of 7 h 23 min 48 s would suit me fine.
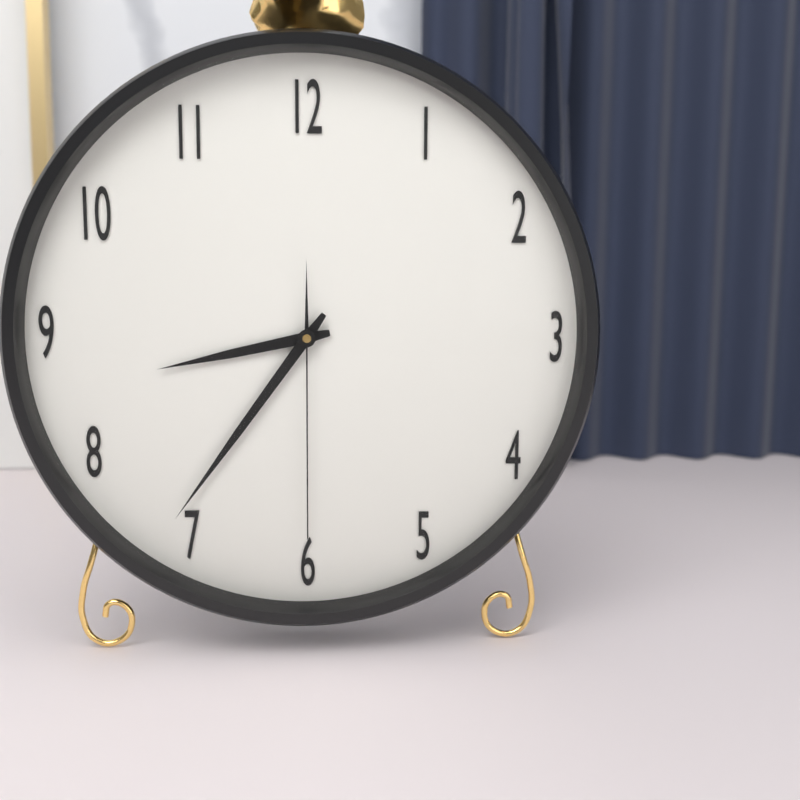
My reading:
8 h 36 min 30 s
